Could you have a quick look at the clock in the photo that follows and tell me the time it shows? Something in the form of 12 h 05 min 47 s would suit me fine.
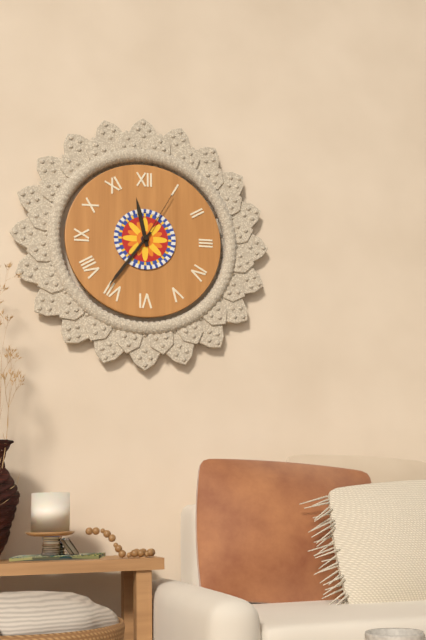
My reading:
11 h 36 min 05 s
